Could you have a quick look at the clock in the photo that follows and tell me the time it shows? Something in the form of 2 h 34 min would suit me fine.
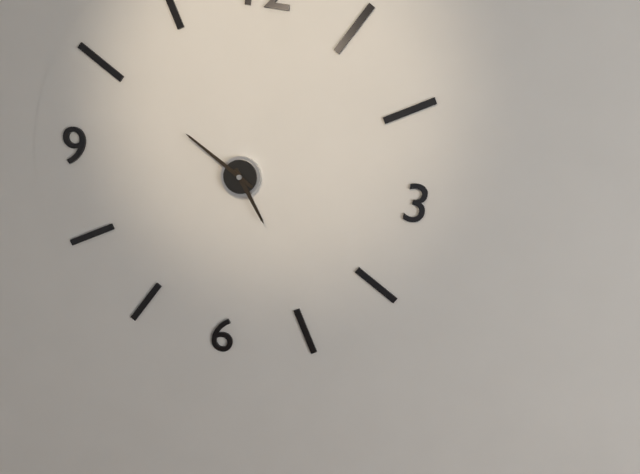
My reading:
4 h 50 min
